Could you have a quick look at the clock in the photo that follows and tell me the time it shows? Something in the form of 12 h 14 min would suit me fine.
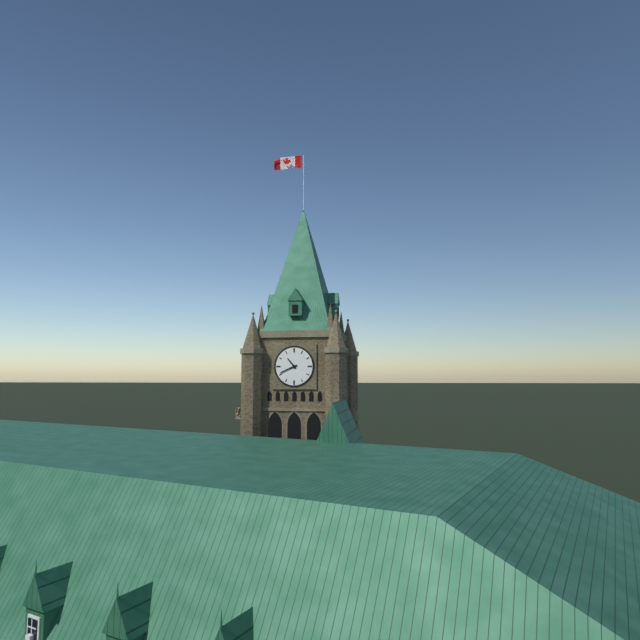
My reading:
10 h 41 min
